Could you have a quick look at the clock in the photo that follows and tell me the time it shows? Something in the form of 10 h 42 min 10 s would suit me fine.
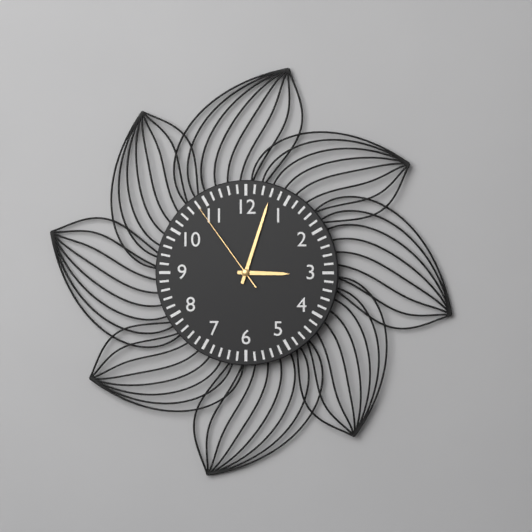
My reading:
3 h 03 min 54 s
